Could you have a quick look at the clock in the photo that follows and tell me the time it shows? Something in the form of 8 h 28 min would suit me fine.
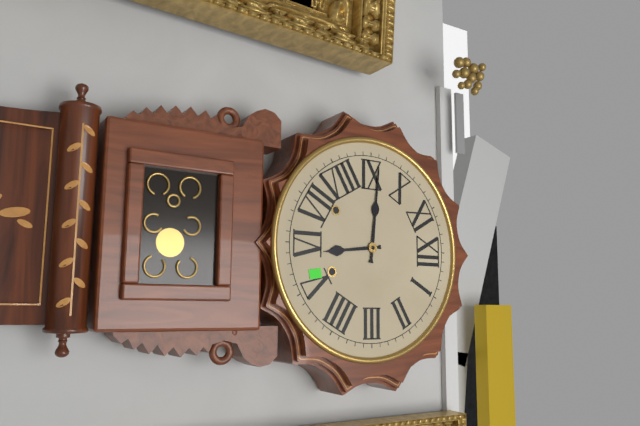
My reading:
5 h 46 min
